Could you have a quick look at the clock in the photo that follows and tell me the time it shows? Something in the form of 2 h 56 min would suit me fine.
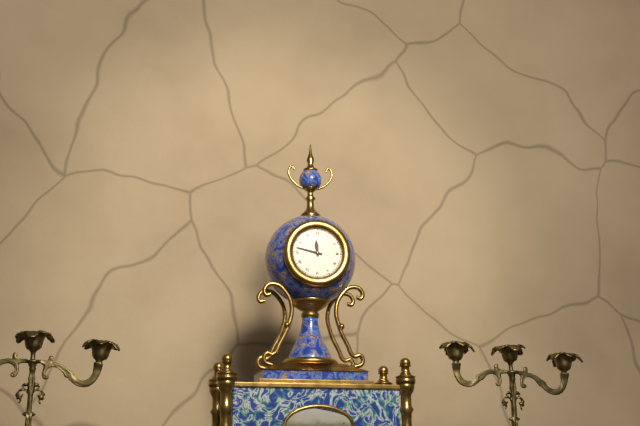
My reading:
11 h 47 min
